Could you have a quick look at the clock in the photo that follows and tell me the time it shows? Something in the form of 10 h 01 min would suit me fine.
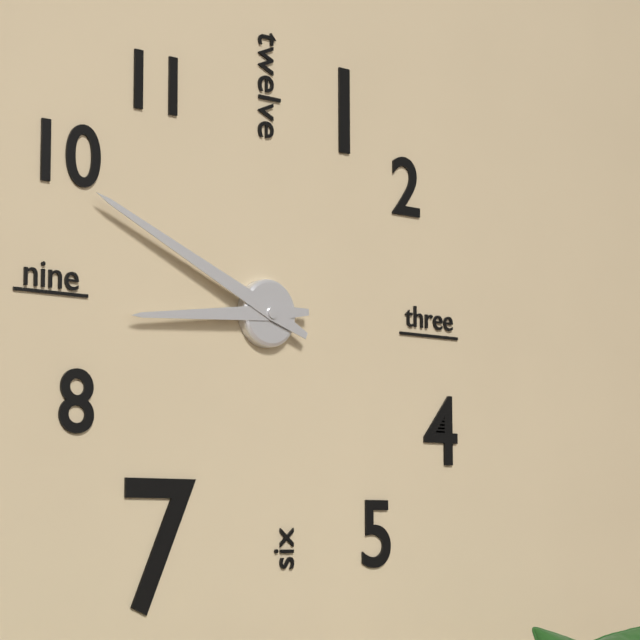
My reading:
8 h 49 min
